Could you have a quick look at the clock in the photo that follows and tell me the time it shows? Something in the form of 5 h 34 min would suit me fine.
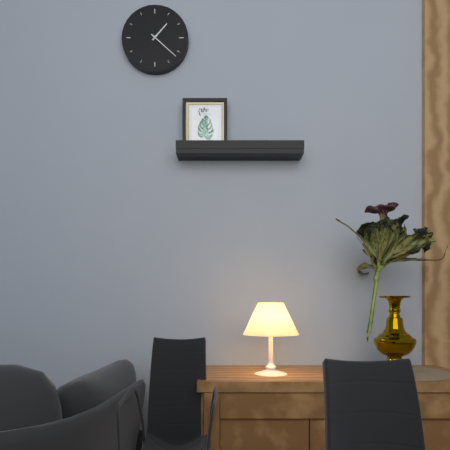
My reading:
1 h 22 min
